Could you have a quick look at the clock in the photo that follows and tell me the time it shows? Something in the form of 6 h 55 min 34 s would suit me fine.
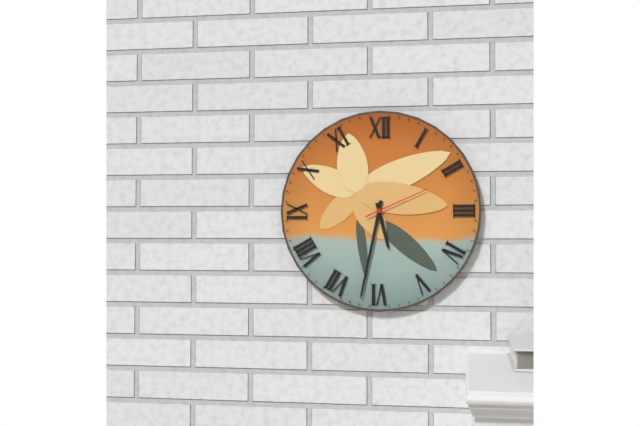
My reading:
5 h 32 min 11 s
